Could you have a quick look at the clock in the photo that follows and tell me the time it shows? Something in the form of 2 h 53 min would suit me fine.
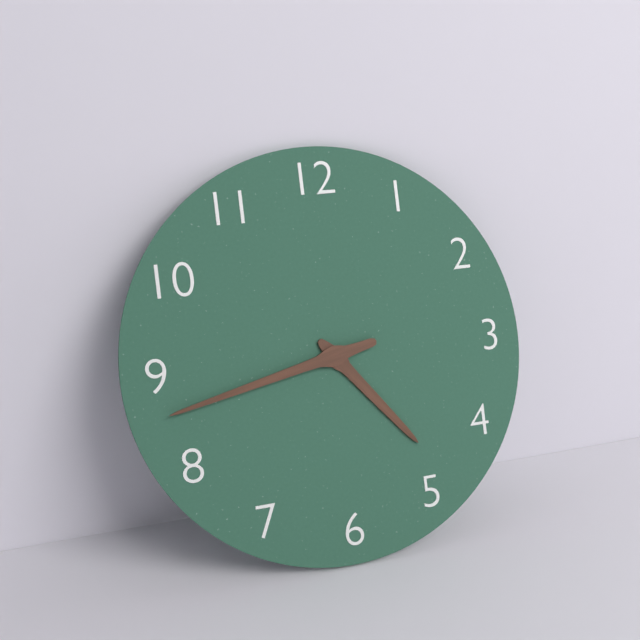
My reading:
4 h 43 min
